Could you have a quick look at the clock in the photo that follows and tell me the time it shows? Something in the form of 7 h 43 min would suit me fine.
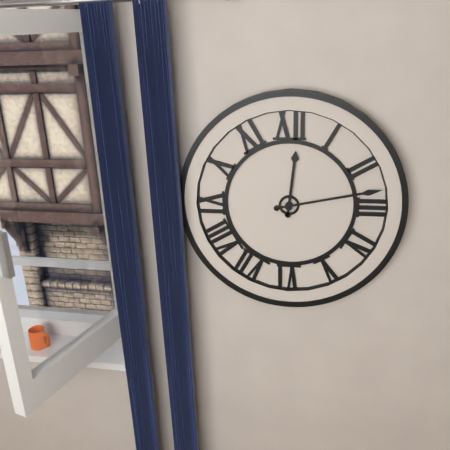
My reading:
12 h 13 min
